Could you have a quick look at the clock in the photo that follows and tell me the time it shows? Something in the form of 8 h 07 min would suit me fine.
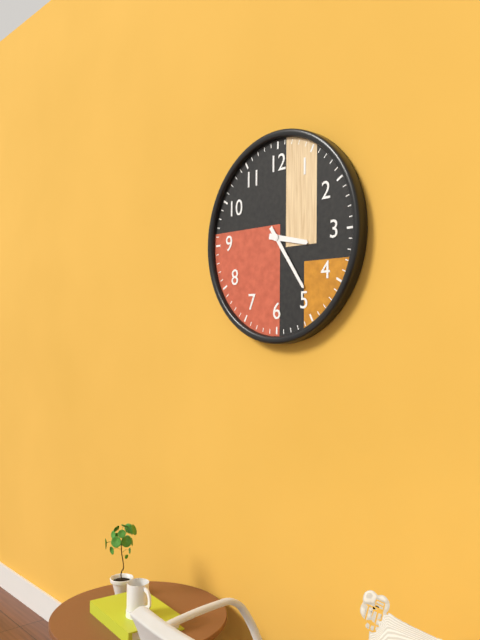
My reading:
3 h 24 min
